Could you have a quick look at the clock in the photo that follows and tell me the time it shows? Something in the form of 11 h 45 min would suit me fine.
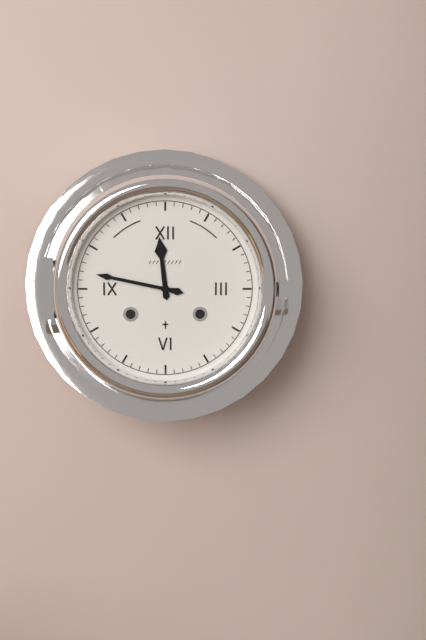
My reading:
11 h 47 min
